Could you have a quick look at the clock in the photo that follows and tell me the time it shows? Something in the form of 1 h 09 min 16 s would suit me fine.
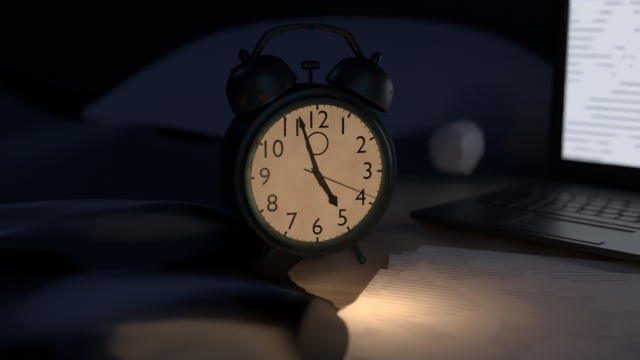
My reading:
4 h 57 min 19 s
